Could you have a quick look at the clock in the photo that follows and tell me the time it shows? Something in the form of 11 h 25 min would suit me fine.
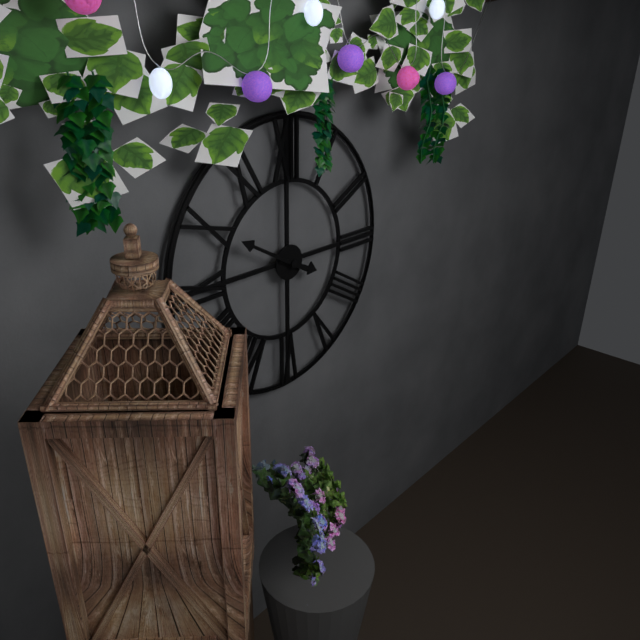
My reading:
3 h 50 min
